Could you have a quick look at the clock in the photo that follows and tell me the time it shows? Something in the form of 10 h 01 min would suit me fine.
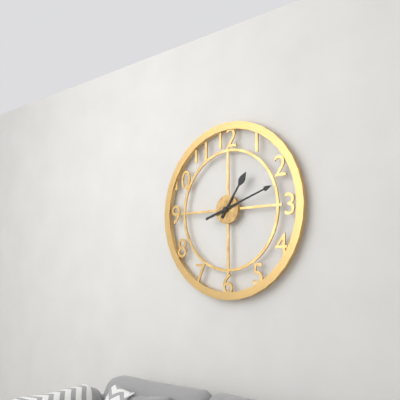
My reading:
1 h 12 min
